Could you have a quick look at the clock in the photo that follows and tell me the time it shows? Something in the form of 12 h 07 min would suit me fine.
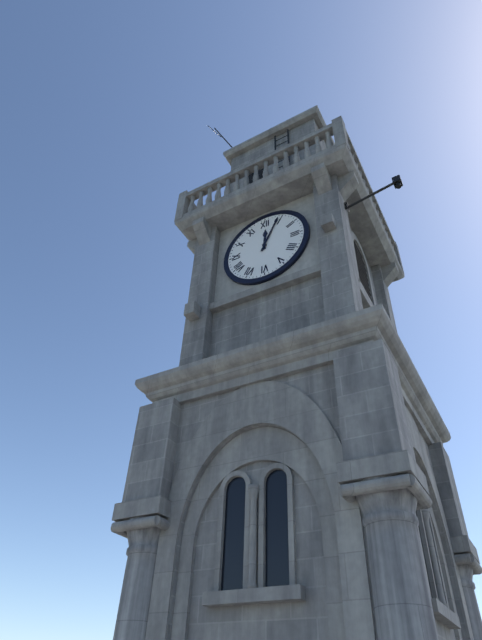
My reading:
12 h 04 min
